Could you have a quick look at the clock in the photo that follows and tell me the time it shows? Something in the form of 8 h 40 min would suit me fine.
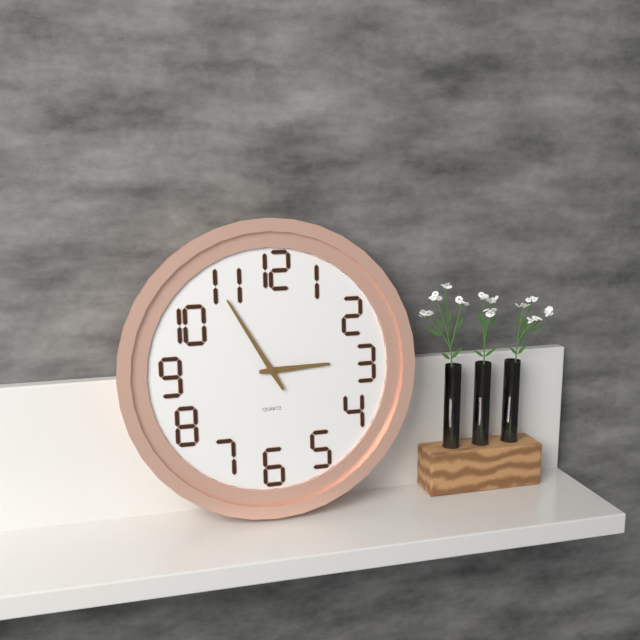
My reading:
2 h 55 min
